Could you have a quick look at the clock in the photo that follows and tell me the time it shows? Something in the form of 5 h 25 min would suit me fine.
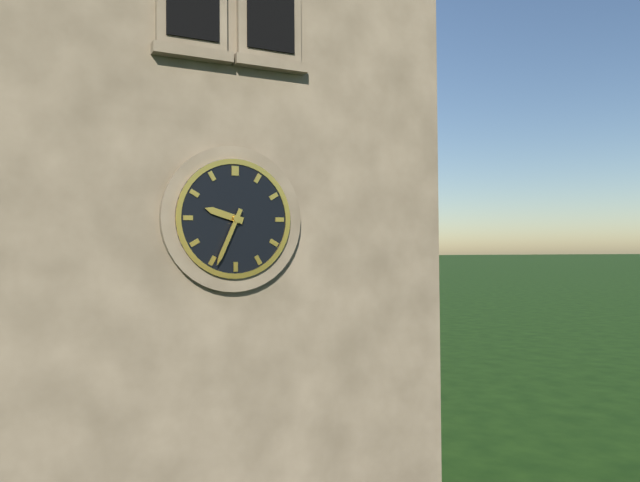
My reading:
9 h 34 min
